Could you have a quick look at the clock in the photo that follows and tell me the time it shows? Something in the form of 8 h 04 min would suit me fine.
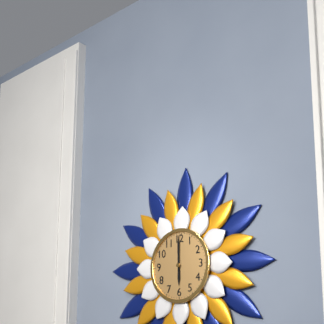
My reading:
6 h 00 min
